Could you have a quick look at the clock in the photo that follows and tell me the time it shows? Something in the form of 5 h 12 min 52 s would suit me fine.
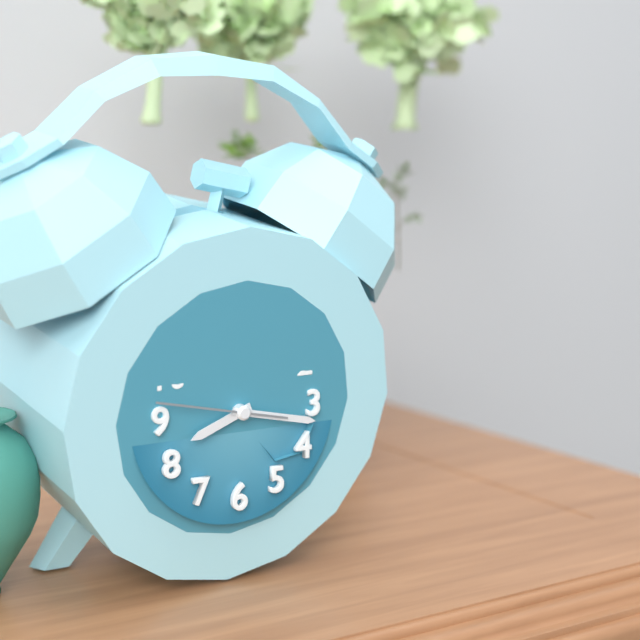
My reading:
8 h 17 min 47 s
